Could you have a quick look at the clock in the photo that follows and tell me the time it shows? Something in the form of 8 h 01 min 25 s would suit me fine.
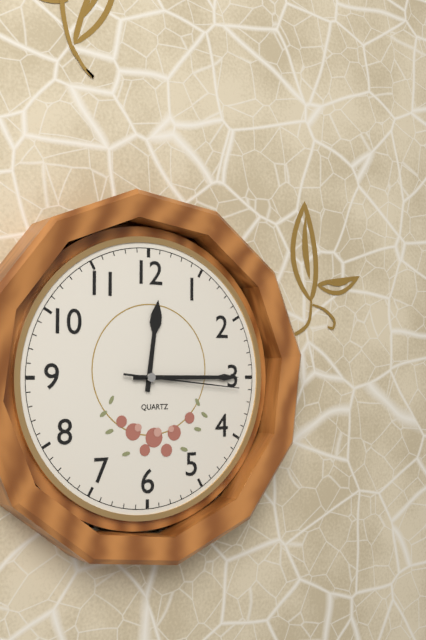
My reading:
12 h 15 min 16 s
